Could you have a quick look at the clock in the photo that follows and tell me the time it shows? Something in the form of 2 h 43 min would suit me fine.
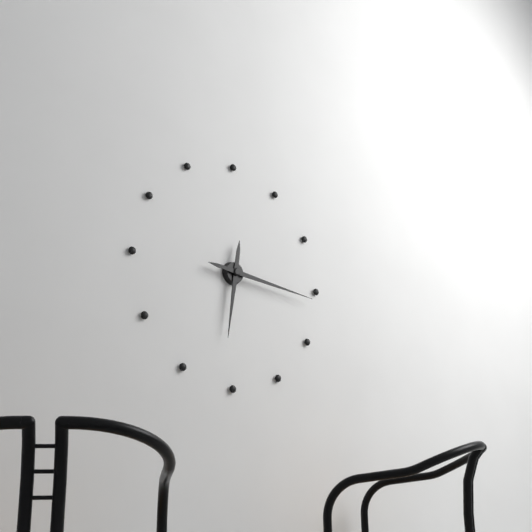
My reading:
6 h 16 min
